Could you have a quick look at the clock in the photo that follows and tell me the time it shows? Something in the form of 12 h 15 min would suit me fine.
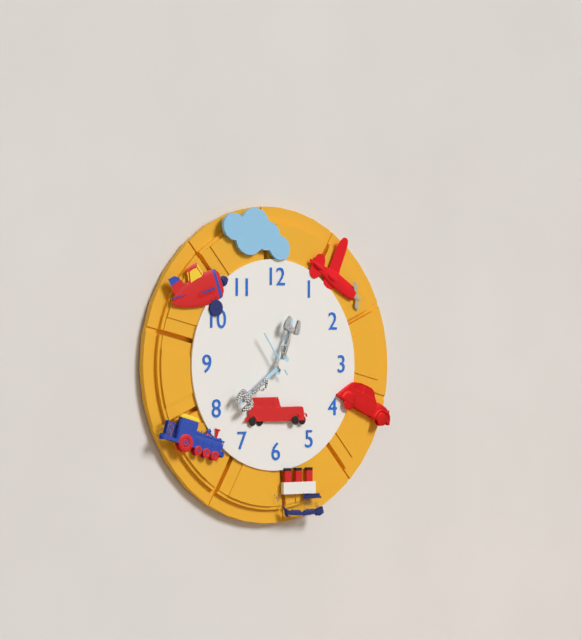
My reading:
12 h 39 min
